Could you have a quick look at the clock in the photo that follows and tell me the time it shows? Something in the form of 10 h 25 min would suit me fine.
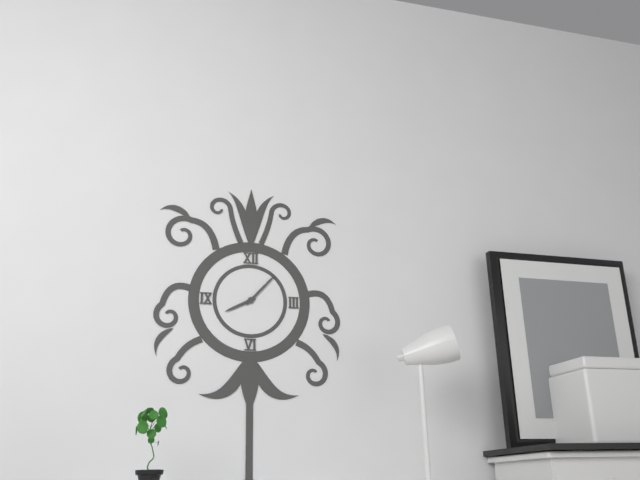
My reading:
8 h 07 min
